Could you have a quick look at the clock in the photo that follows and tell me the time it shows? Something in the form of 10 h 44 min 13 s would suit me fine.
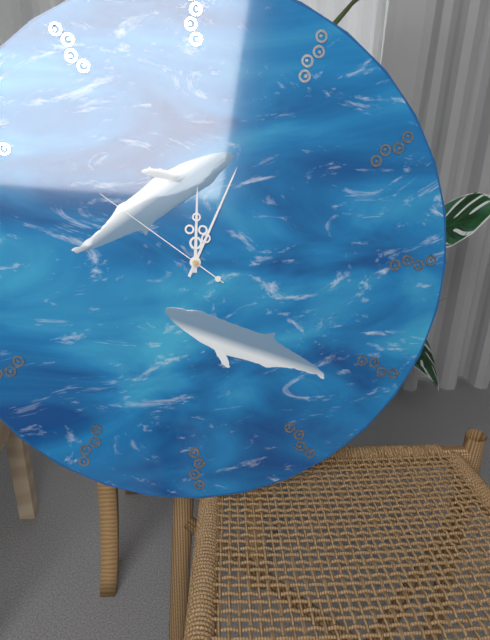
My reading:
12 h 04 min 51 s
